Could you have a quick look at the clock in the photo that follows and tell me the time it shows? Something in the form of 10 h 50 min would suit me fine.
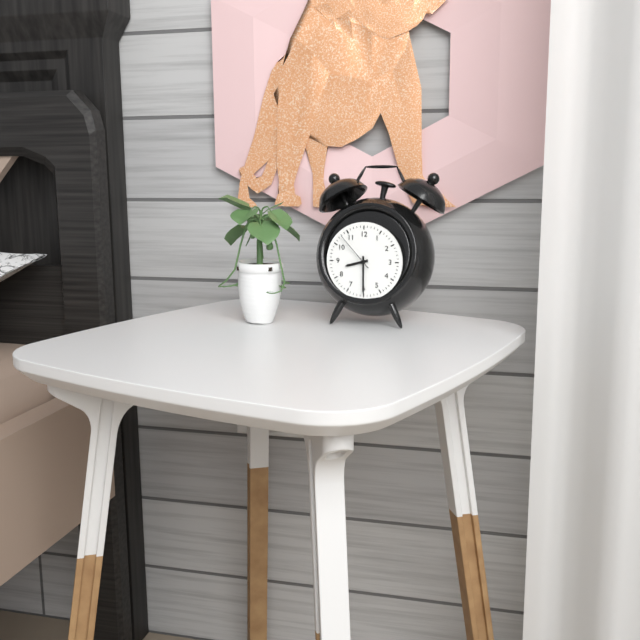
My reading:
8 h 30 min
